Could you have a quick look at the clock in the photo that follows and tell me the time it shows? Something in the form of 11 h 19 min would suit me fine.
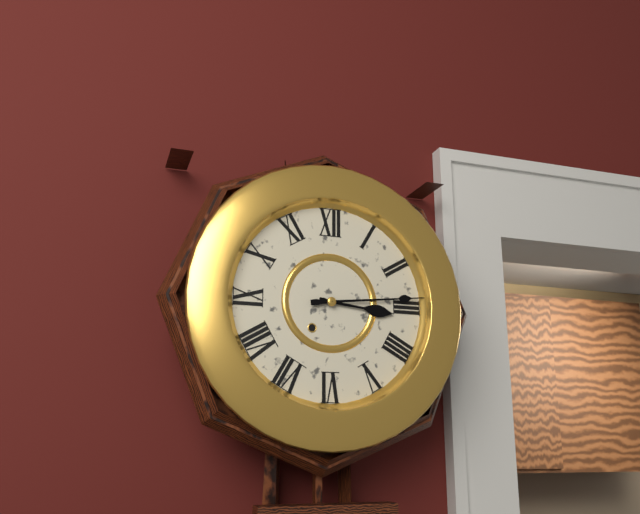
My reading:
3 h 14 min
